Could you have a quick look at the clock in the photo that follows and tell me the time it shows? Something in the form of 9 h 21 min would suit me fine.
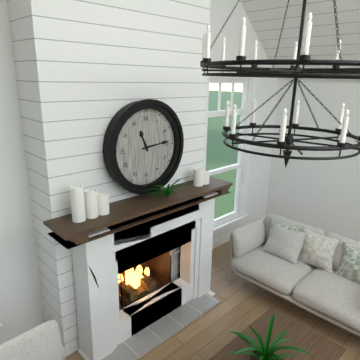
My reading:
11 h 14 min
